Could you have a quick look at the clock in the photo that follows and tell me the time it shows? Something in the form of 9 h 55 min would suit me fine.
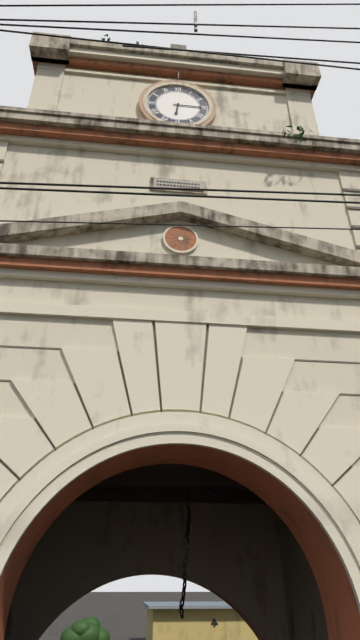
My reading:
6 h 15 min
